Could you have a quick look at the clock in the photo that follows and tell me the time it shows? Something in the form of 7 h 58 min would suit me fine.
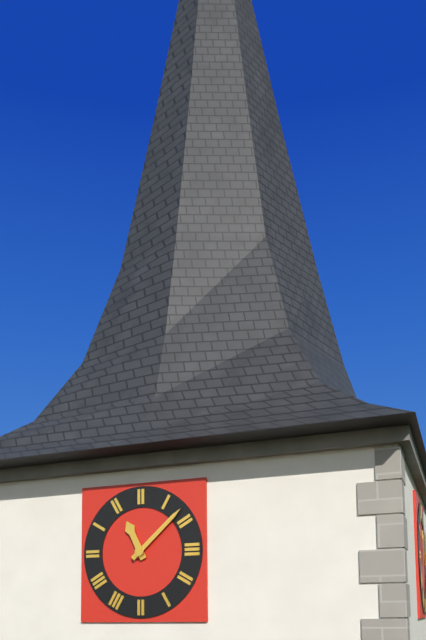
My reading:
11 h 08 min
